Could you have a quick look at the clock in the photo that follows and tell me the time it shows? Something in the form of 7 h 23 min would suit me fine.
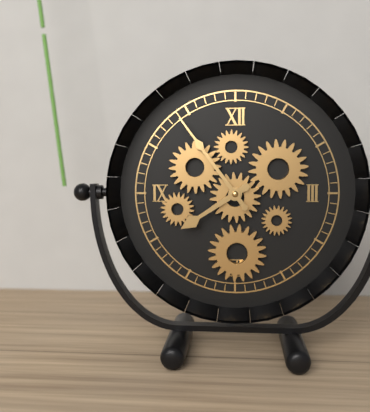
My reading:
7 h 54 min
